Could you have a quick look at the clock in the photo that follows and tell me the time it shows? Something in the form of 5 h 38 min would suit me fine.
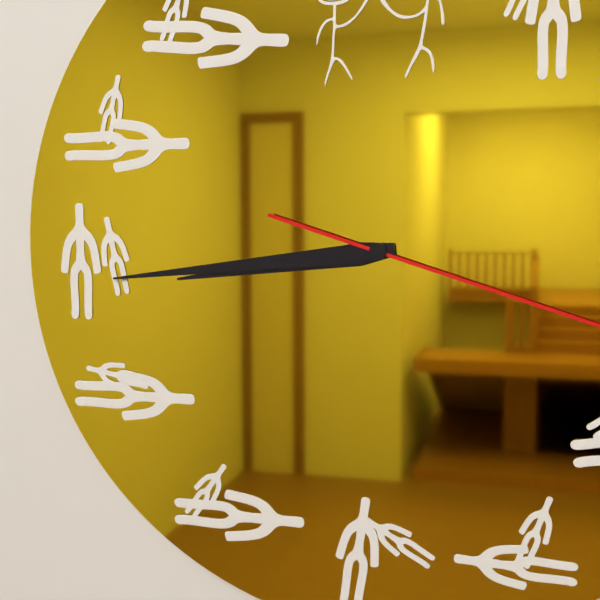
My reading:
8 h 44 min
